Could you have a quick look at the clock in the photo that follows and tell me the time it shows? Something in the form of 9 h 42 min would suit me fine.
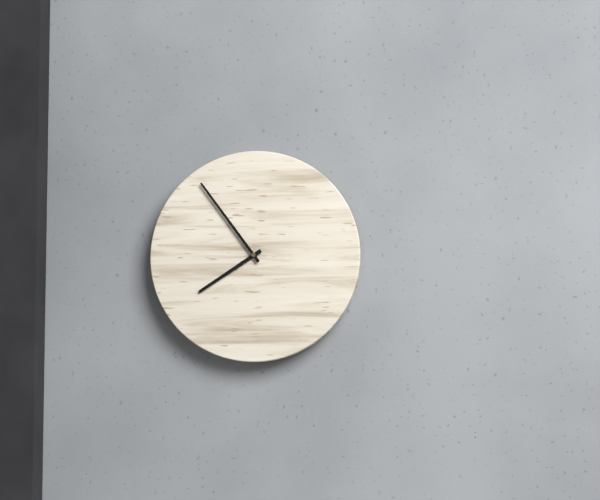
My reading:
7 h 54 min
